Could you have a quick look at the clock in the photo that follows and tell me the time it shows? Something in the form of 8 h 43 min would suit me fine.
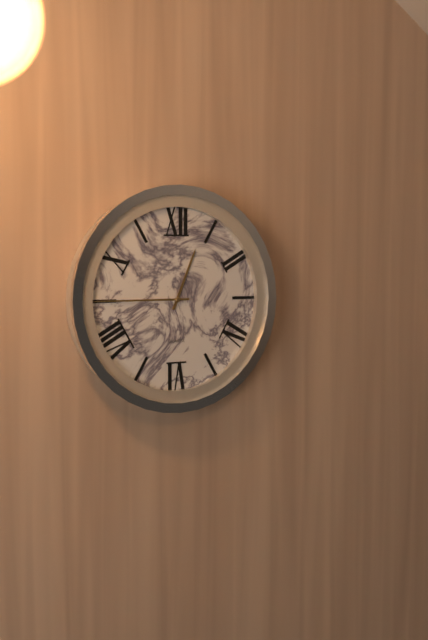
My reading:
12 h 45 min
